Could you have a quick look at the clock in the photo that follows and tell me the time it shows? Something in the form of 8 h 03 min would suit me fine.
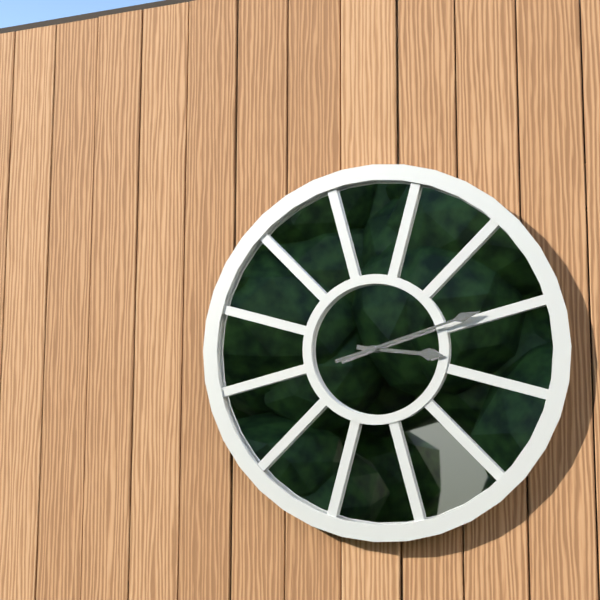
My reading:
3 h 12 min
